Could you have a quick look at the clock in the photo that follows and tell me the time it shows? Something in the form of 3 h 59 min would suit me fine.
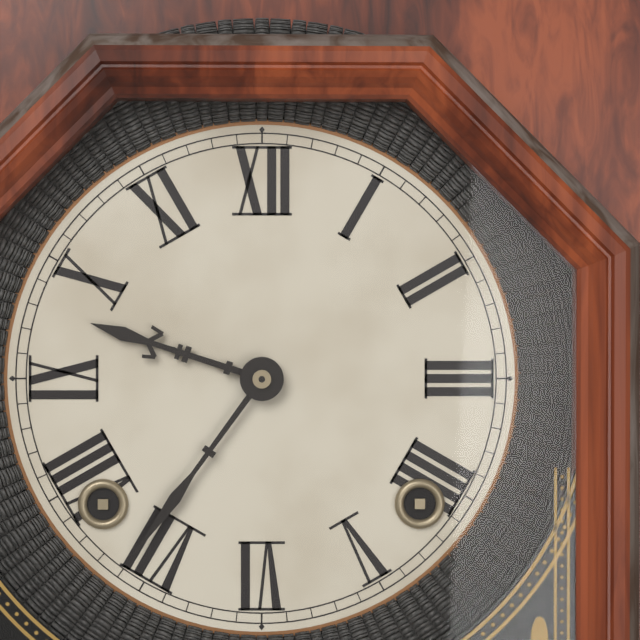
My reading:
9 h 36 min
